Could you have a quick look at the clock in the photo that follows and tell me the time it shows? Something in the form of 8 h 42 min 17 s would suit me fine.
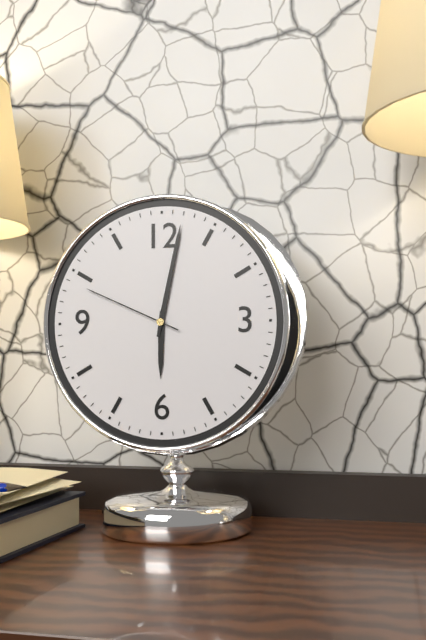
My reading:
6 h 02 min 49 s
